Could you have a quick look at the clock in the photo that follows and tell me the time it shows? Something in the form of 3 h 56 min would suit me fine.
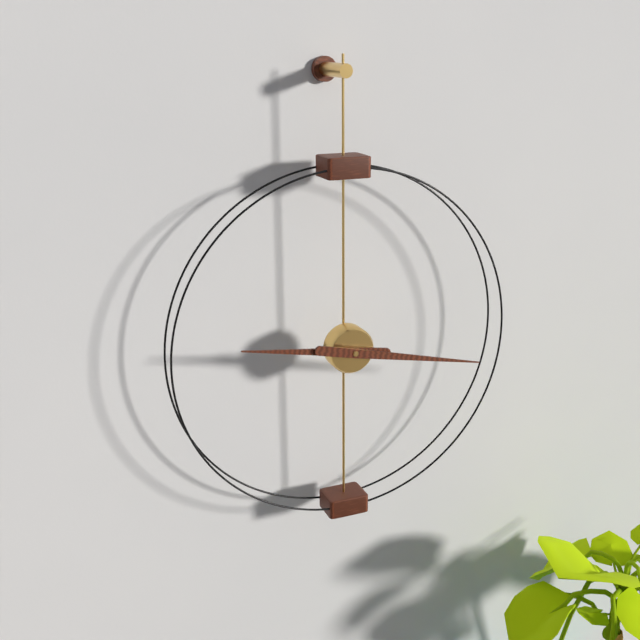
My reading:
9 h 17 min
